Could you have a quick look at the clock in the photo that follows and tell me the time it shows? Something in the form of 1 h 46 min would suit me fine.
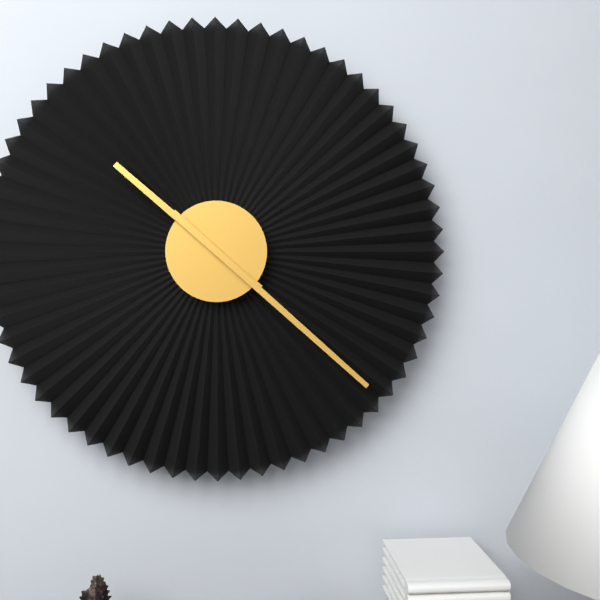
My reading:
10 h 22 min
